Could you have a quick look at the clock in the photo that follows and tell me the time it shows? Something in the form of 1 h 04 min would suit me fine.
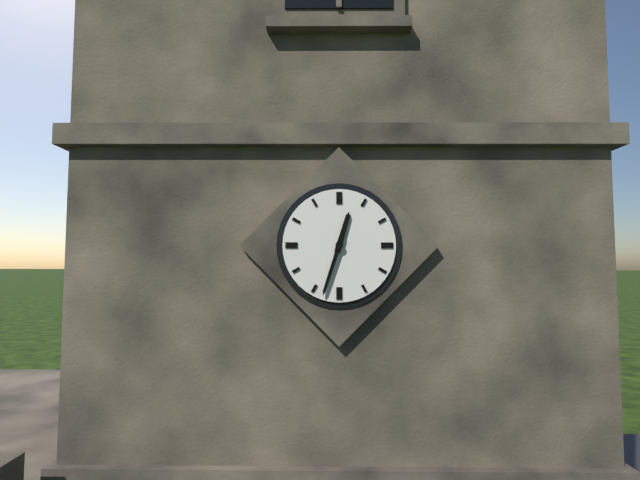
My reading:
12 h 33 min
